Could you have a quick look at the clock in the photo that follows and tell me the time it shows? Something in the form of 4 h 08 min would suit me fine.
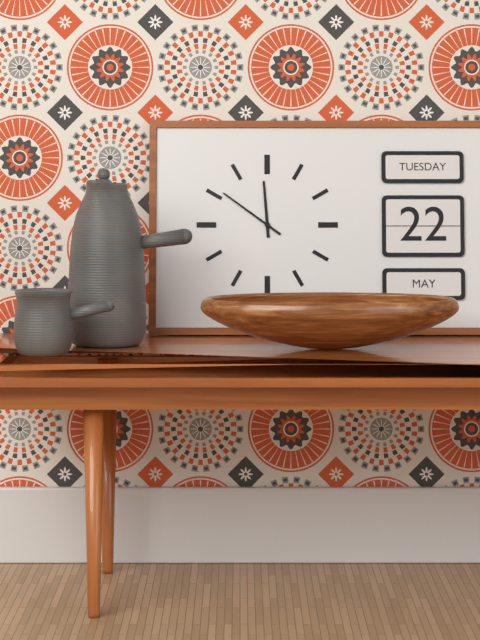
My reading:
11 h 51 min
